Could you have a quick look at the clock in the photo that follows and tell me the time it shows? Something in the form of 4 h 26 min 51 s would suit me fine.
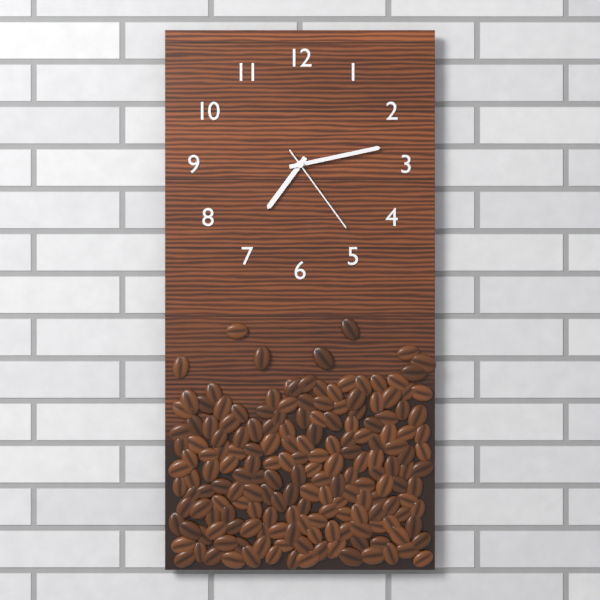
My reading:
7 h 13 min 24 s
